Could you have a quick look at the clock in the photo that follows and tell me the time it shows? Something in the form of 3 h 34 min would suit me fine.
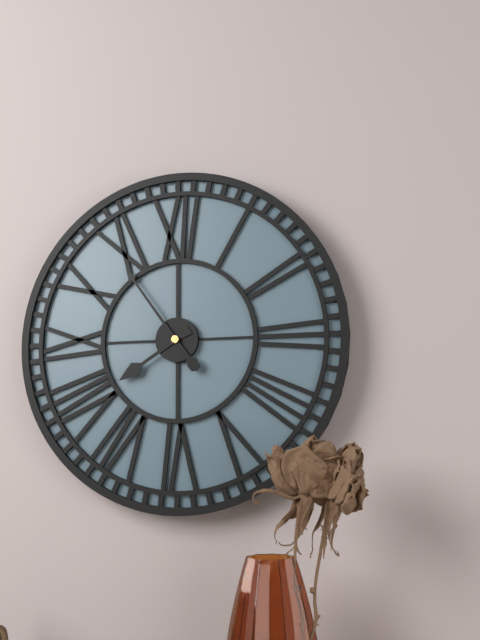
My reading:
7 h 54 min
